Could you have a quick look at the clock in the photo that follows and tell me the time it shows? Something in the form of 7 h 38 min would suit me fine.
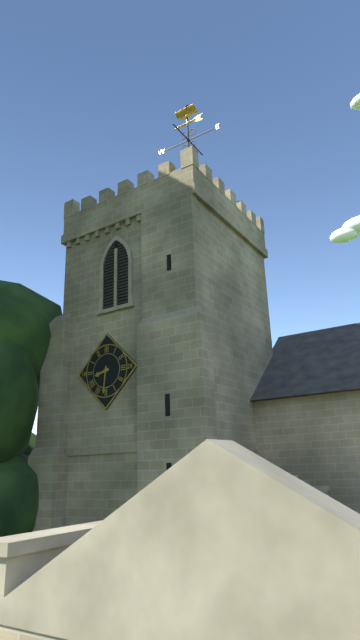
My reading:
8 h 31 min
